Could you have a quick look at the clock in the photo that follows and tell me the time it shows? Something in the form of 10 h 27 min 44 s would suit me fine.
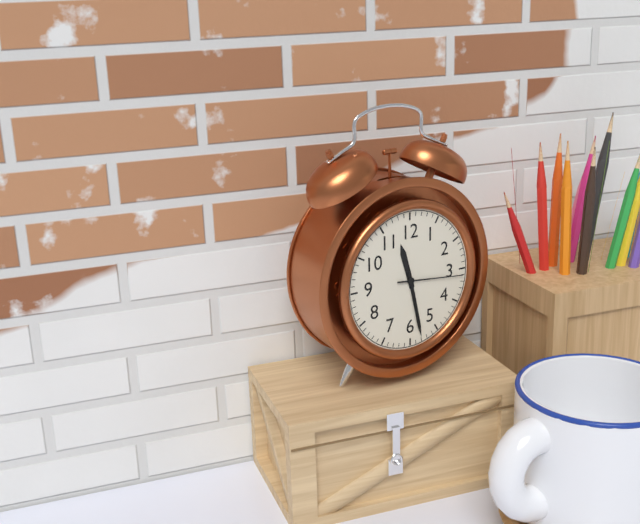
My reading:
11 h 28 min 16 s
